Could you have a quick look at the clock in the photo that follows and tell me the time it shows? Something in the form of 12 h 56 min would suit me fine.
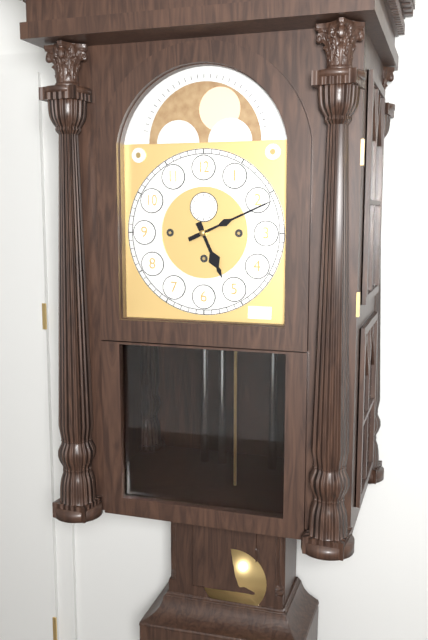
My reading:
5 h 11 min
